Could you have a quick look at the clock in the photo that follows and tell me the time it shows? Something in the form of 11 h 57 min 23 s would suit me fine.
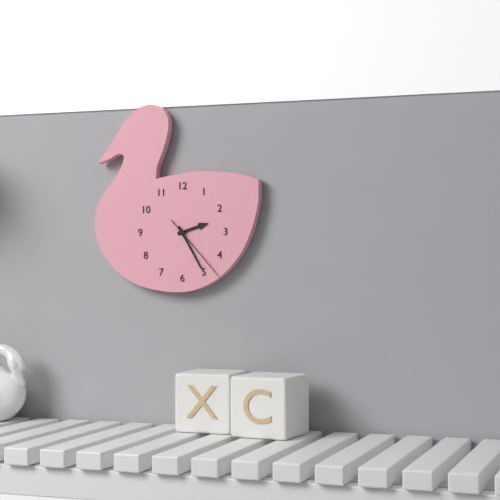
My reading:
2 h 25 min 23 s
